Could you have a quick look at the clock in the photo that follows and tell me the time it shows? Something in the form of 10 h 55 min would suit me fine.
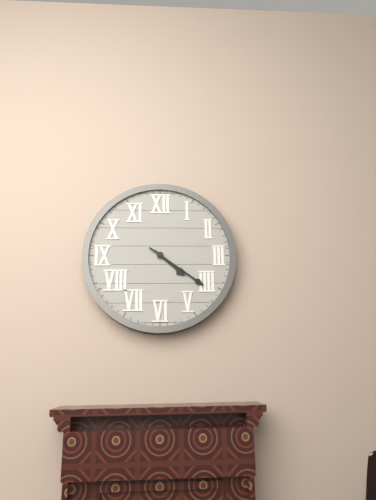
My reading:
4 h 21 min
